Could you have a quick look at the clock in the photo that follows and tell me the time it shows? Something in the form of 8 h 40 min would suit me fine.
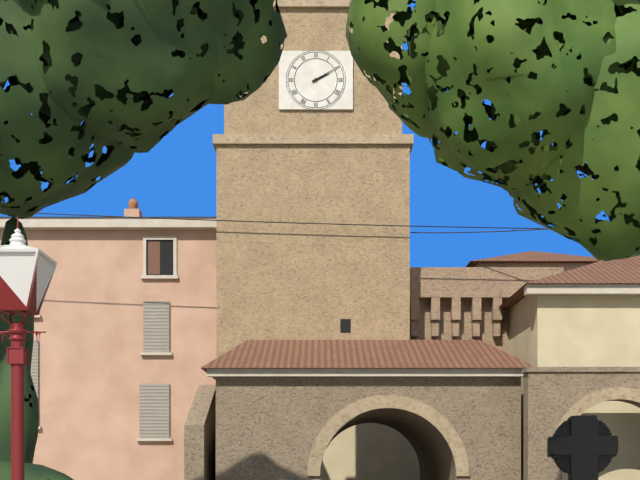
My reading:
2 h 10 min
